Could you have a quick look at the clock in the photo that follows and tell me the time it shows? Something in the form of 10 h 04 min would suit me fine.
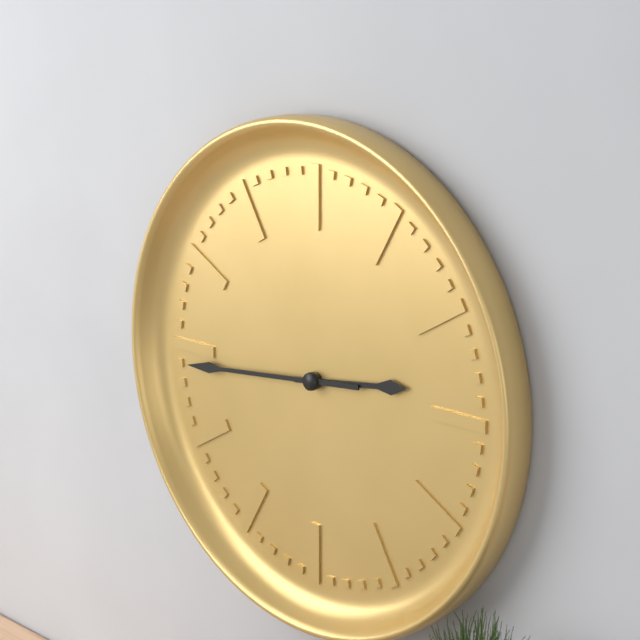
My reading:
2 h 44 min
